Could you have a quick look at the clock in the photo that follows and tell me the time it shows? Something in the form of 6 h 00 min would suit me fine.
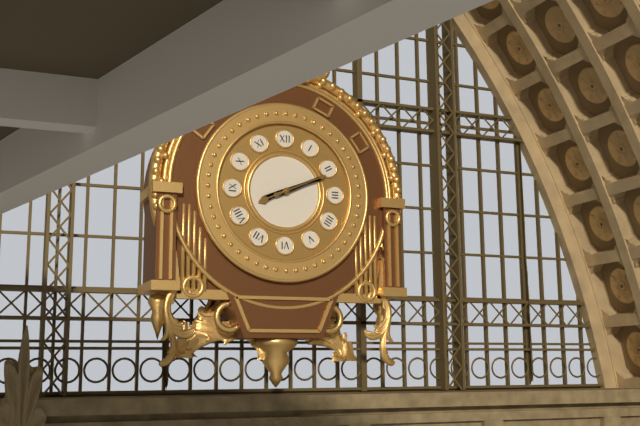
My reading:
8 h 11 min
